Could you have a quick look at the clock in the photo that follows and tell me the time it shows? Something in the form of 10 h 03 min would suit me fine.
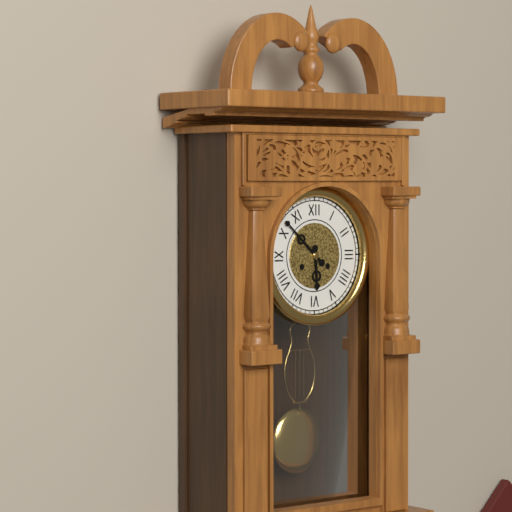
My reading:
5 h 52 min
